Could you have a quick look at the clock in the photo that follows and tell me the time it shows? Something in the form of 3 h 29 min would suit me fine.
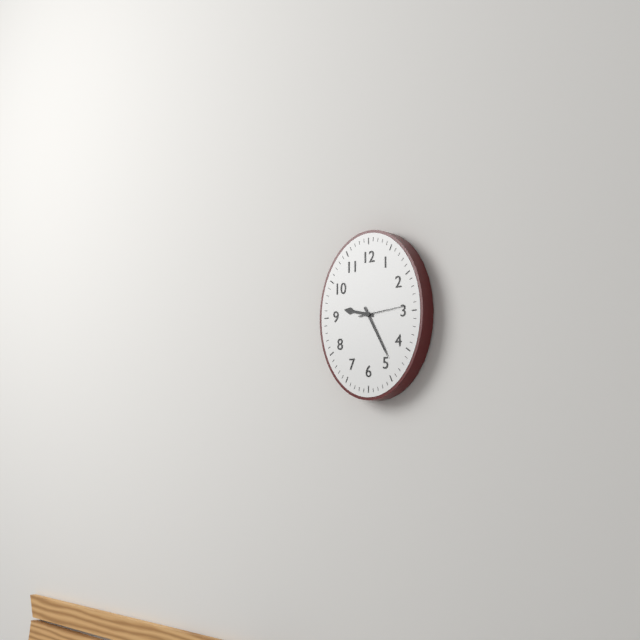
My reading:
9 h 25 min
